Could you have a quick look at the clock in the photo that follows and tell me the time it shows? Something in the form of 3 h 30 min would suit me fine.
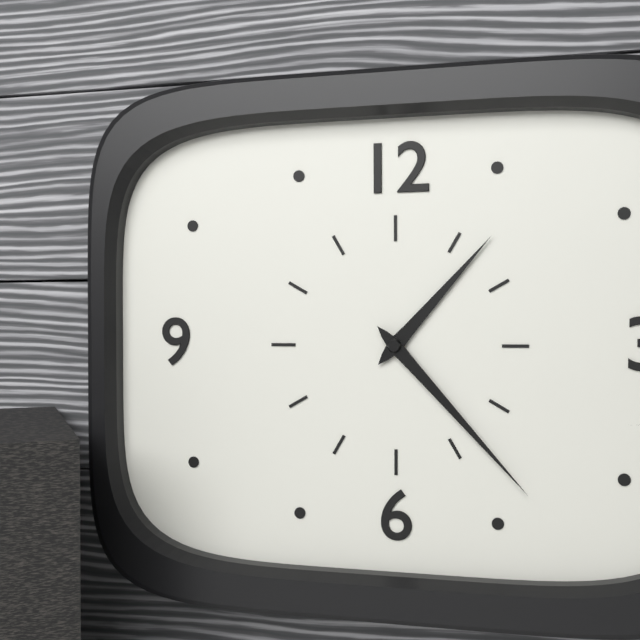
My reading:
1 h 23 min
